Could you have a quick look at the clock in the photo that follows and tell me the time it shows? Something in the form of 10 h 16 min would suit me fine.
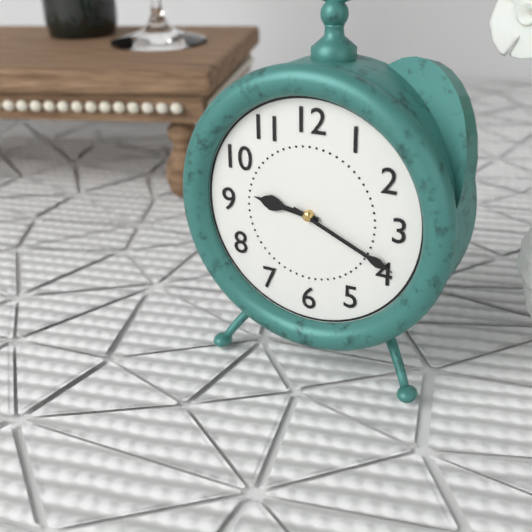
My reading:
9 h 19 min
